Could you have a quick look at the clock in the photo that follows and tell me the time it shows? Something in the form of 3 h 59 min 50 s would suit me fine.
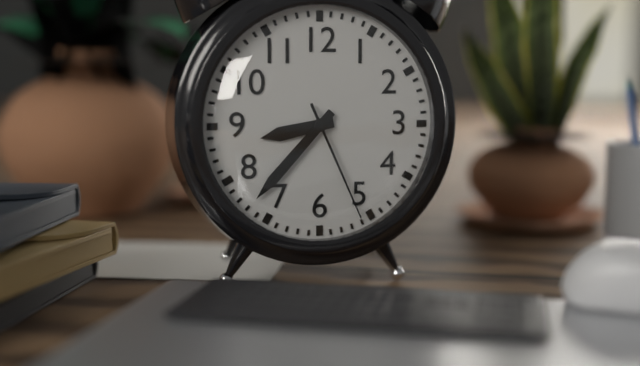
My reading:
8 h 37 min 26 s
